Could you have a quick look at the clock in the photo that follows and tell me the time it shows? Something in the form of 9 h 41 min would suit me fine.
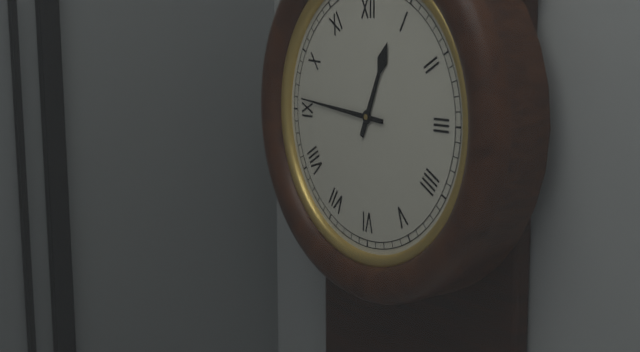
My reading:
12 h 46 min
